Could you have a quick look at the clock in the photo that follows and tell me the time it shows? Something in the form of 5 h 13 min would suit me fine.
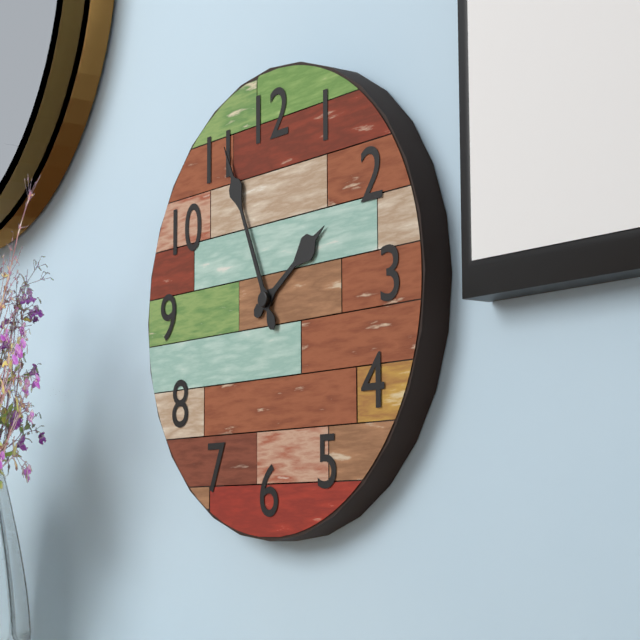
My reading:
1 h 56 min
